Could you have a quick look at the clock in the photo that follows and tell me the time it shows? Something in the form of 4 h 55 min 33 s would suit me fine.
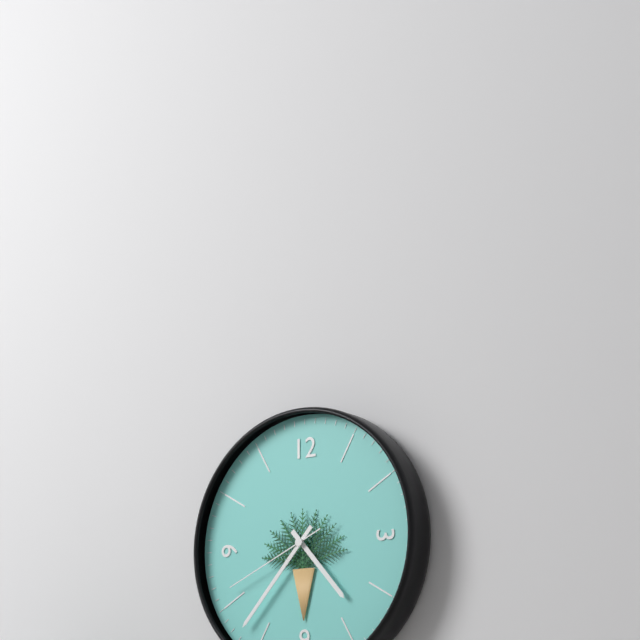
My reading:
4 h 37 min 41 s
